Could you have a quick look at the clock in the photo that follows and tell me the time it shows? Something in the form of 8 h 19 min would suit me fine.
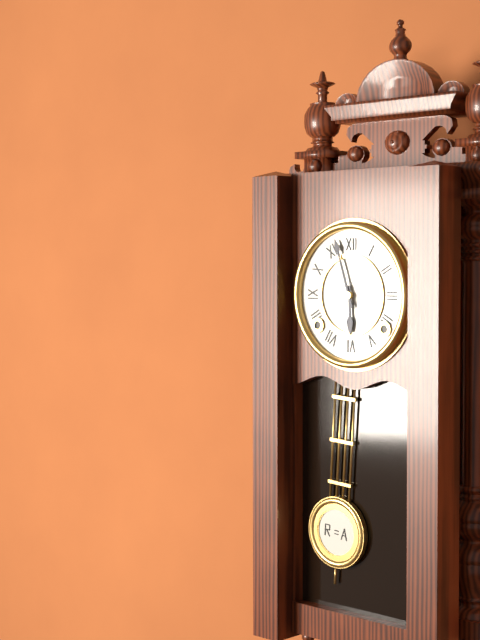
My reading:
5 h 57 min
